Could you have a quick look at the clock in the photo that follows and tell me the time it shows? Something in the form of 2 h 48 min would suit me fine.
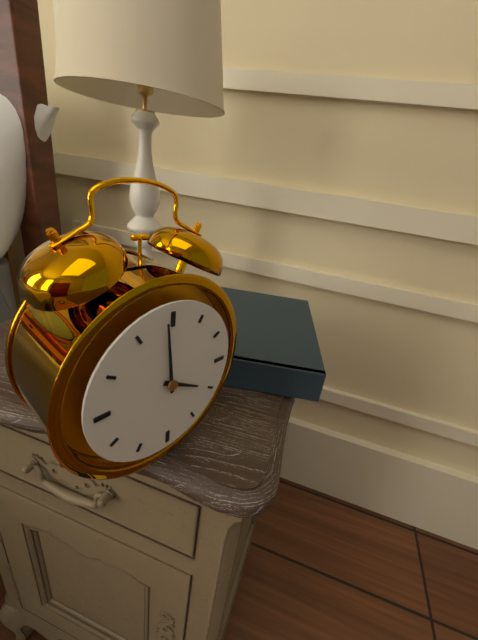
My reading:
3 h 59 min
